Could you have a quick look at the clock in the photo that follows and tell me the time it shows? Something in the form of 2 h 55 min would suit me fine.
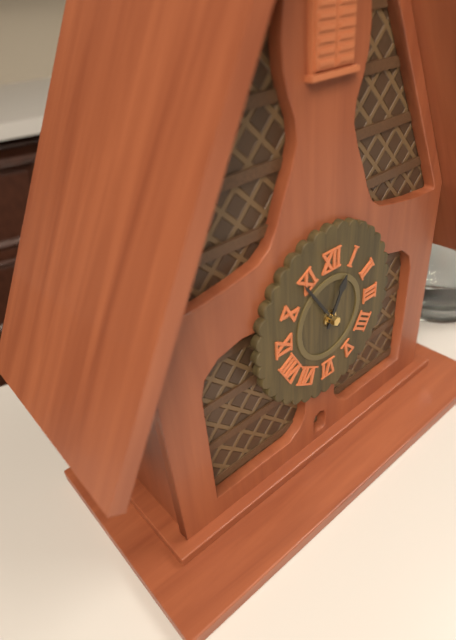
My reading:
12 h 54 min
